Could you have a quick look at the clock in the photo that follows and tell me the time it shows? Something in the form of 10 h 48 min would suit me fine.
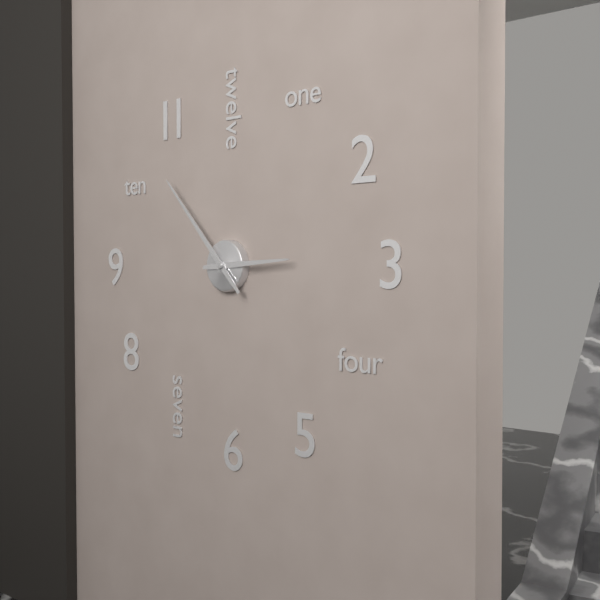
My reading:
2 h 53 min
